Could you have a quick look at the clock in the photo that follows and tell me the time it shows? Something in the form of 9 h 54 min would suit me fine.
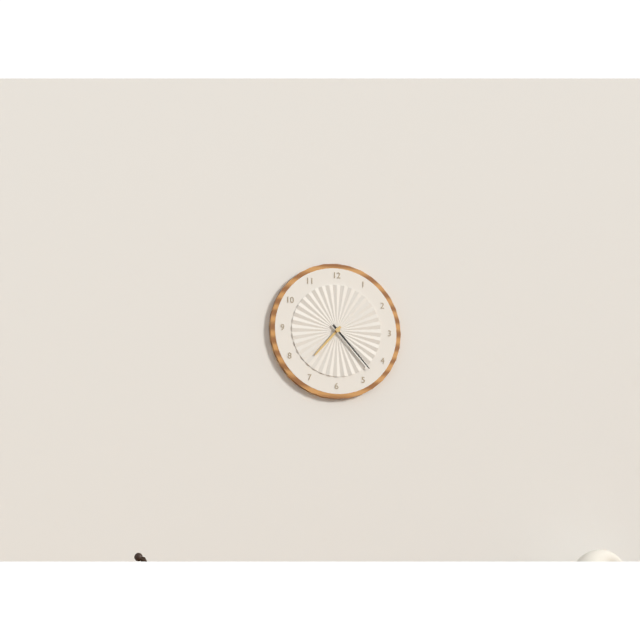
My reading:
7 h 23 min
